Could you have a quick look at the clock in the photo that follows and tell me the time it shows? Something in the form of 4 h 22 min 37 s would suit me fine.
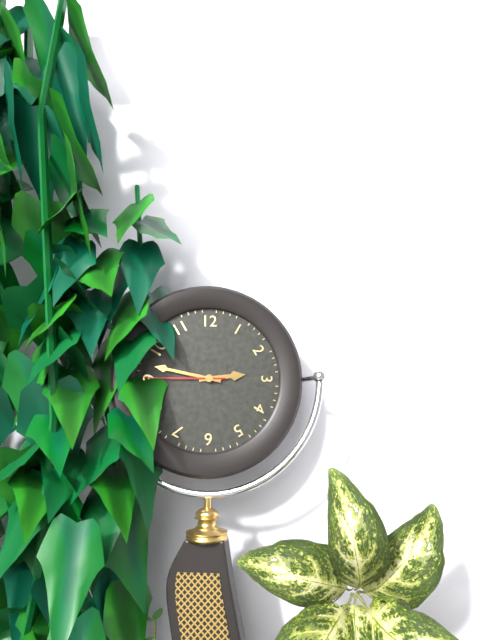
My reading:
2 h 47 min 45 s
